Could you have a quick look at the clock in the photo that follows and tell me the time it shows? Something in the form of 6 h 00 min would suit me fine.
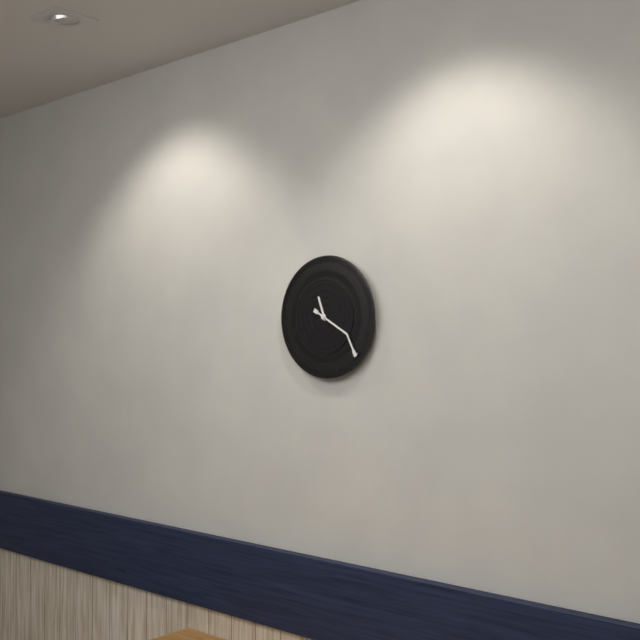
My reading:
11 h 20 min
